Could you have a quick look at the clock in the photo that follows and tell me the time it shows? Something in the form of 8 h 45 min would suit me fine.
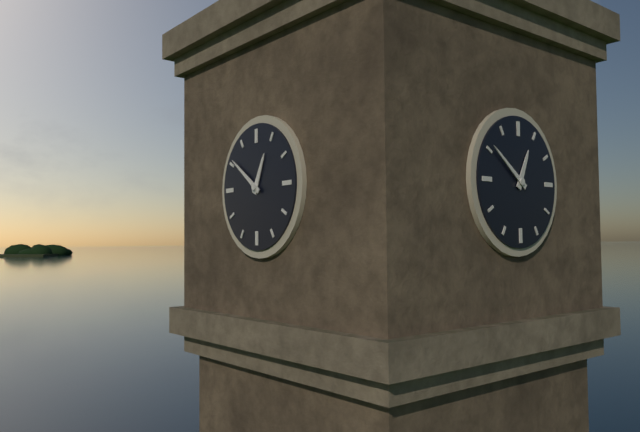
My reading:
12 h 51 min
